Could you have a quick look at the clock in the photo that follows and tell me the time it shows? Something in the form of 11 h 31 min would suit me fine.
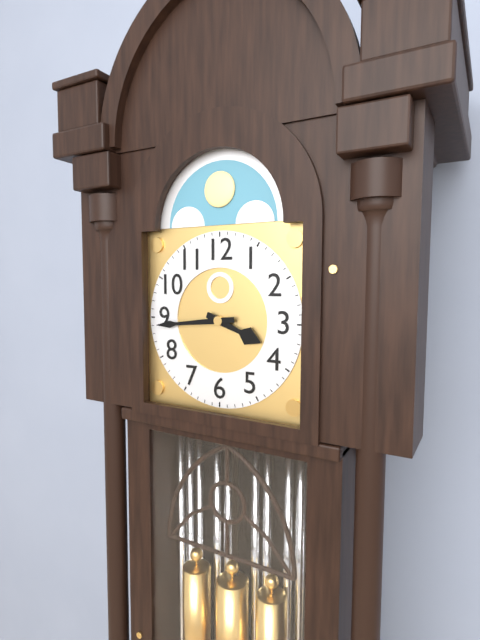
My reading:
3 h 44 min
